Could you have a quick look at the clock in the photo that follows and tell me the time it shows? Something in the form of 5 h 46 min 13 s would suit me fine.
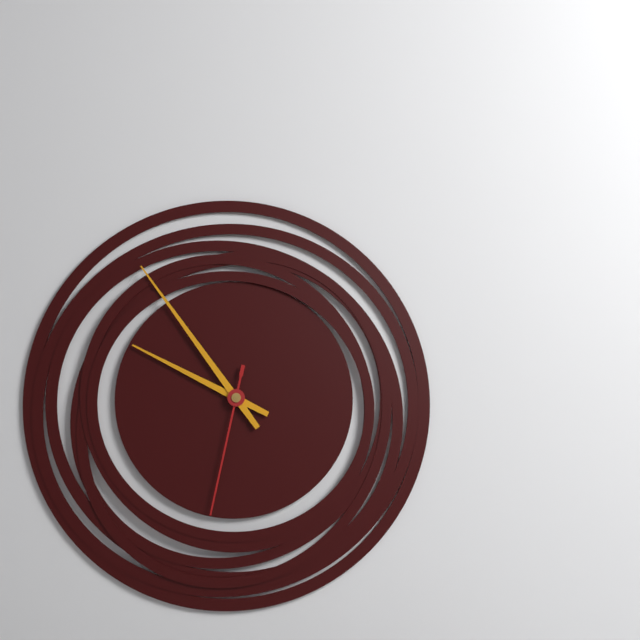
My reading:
9 h 54 min 32 s
